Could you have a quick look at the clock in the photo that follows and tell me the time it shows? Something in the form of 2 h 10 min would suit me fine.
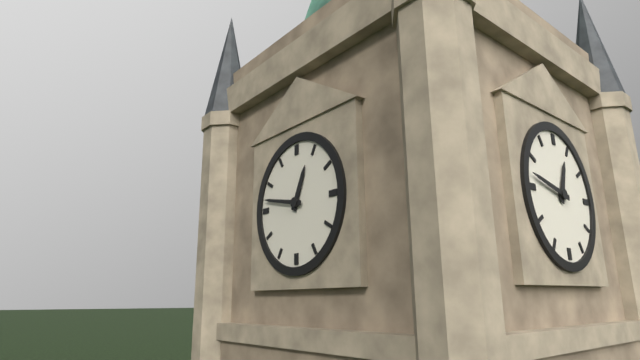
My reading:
12 h 47 min
